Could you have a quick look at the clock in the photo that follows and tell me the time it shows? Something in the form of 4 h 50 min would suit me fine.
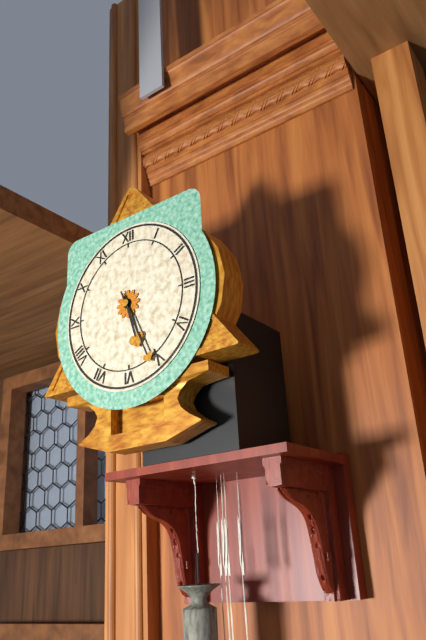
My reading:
5 h 26 min
